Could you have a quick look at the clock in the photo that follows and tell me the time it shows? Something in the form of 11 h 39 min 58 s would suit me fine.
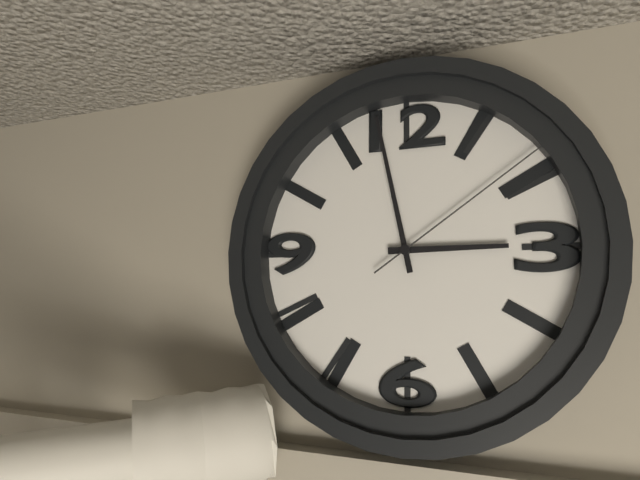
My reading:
2 h 58 min 09 s
